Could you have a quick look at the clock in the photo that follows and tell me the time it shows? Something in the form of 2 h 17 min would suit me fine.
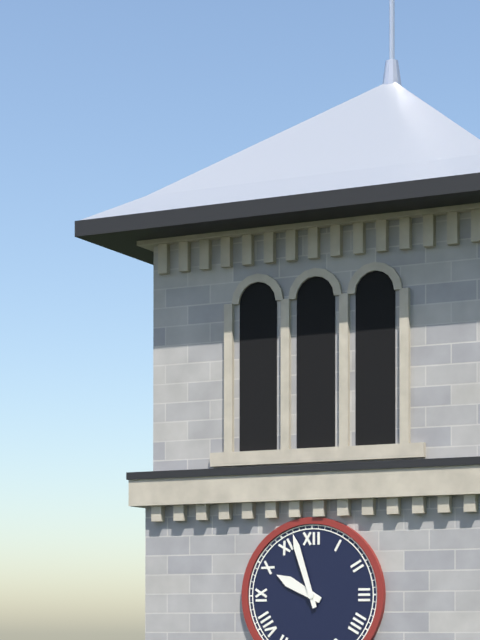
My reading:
9 h 57 min
